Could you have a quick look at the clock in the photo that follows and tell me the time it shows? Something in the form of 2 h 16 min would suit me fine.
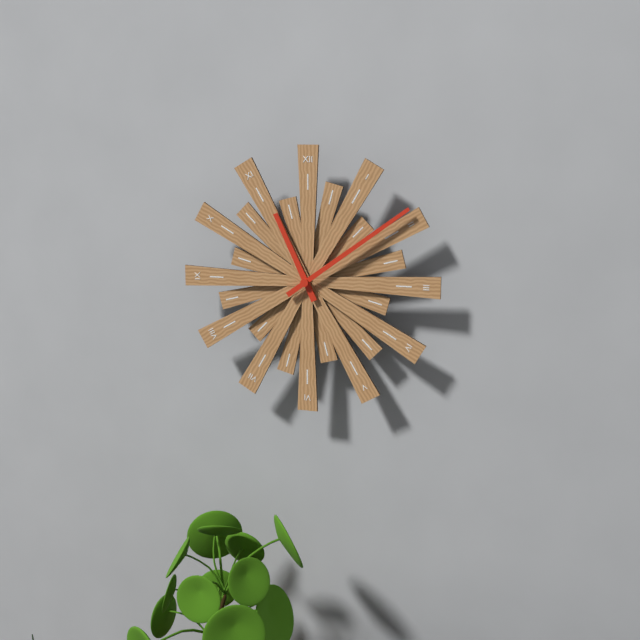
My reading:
11 h 09 min
